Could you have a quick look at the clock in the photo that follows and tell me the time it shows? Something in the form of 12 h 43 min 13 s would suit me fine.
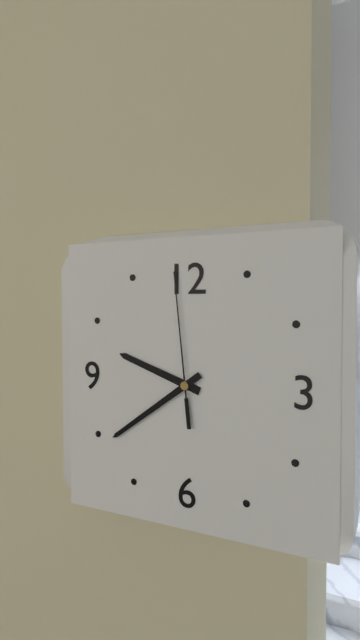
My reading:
9 h 39 min 59 s
